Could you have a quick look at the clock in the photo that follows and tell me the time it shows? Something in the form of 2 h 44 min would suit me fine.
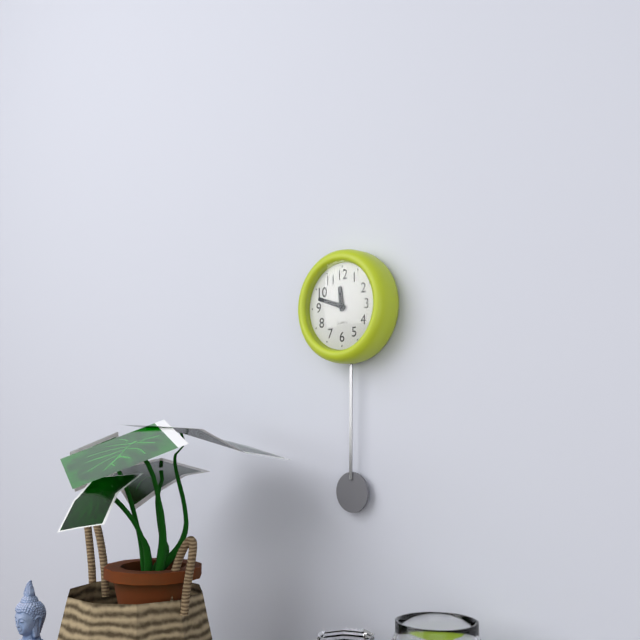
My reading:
11 h 48 min
